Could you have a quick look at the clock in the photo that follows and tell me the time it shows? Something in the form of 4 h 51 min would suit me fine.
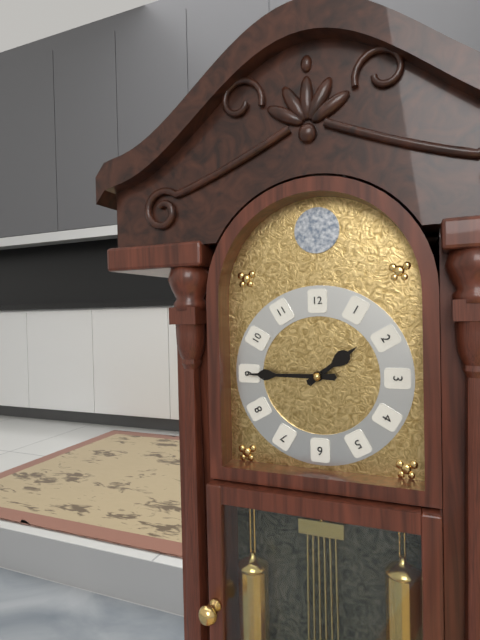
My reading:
1 h 45 min
